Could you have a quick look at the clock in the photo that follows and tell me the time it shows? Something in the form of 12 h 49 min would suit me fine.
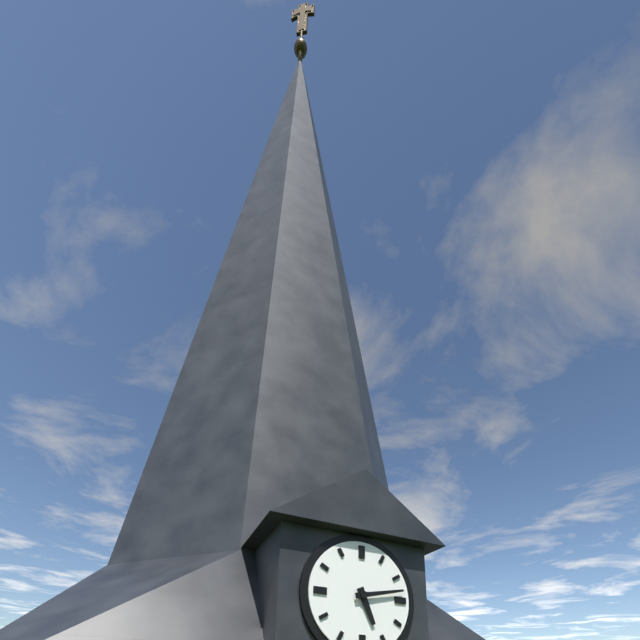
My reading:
5 h 13 min
